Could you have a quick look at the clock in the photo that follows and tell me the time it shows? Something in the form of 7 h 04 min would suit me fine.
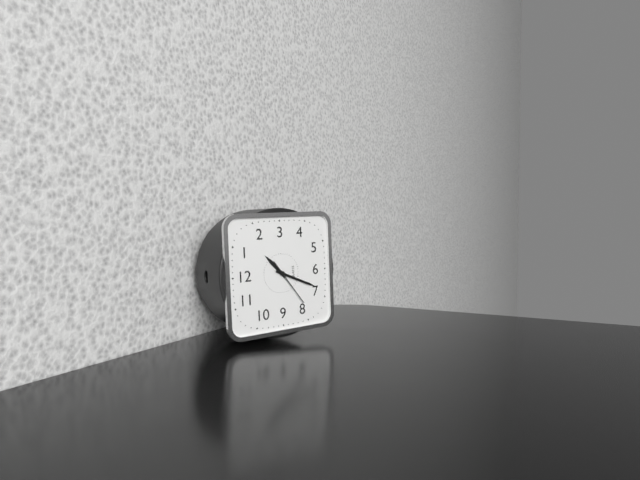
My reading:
1 h 34 min
